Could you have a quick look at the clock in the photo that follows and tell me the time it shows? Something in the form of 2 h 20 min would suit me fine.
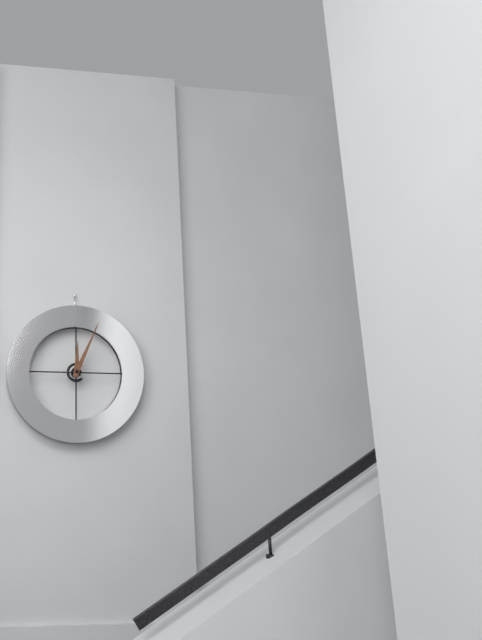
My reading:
12 h 04 min
